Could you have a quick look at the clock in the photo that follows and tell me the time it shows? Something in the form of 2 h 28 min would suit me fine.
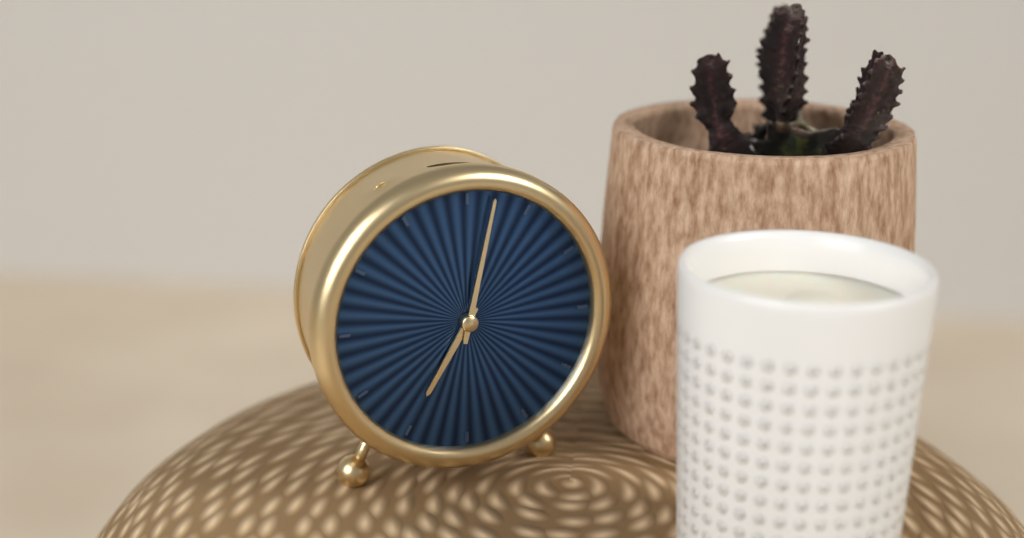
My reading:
7 h 02 min
